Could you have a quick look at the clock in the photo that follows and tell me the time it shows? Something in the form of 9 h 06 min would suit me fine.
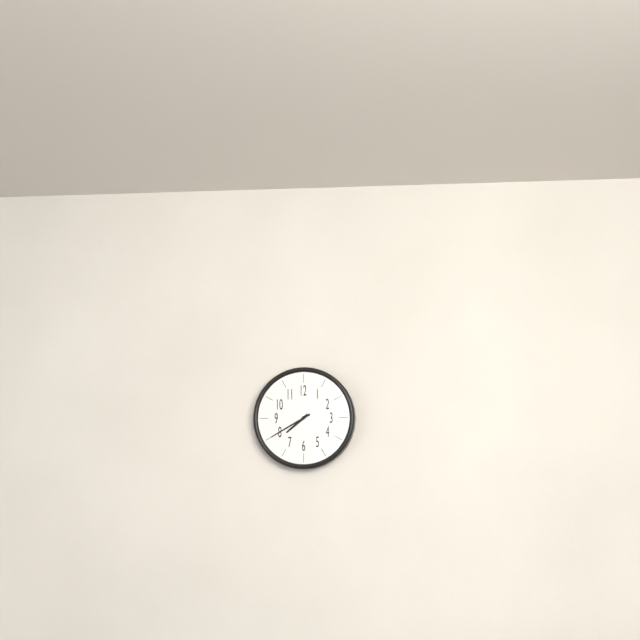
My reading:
7 h 40 min
